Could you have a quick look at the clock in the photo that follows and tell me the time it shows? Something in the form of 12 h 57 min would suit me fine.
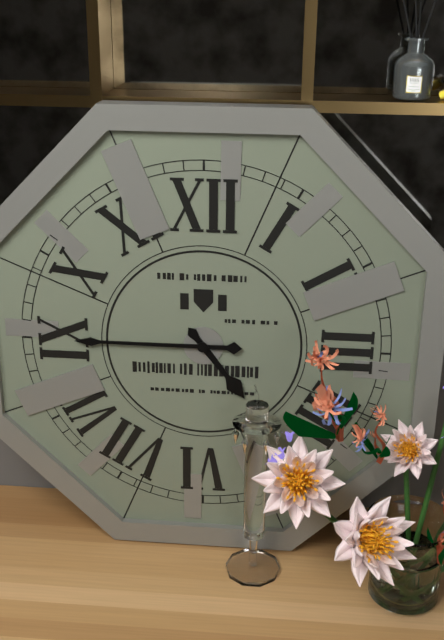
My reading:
4 h 45 min
